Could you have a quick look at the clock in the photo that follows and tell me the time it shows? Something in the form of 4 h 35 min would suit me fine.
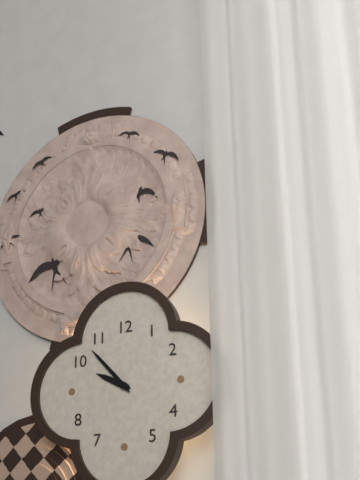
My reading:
9 h 53 min
